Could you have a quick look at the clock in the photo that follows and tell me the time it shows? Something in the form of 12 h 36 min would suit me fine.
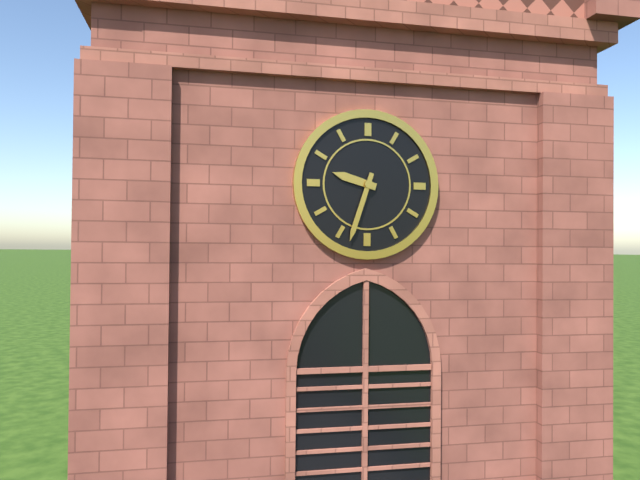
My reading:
9 h 33 min
